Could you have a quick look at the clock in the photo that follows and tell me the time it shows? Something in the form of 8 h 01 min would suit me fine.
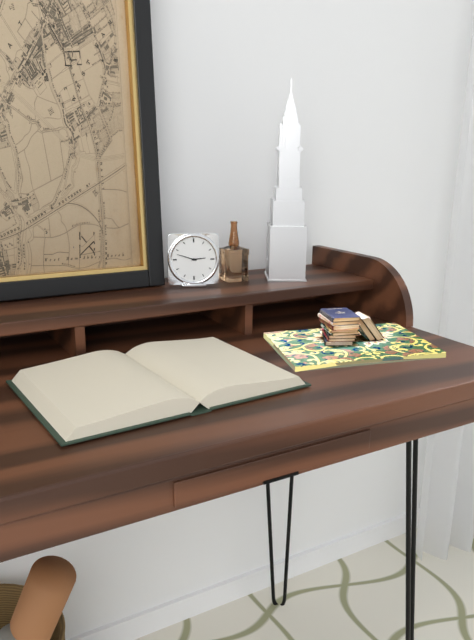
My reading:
2 h 48 min
